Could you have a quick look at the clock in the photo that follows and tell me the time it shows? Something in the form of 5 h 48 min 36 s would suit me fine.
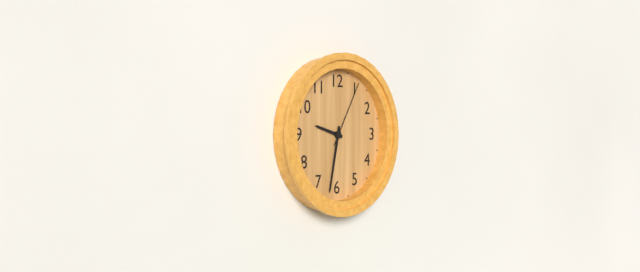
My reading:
9 h 32 min 05 s
